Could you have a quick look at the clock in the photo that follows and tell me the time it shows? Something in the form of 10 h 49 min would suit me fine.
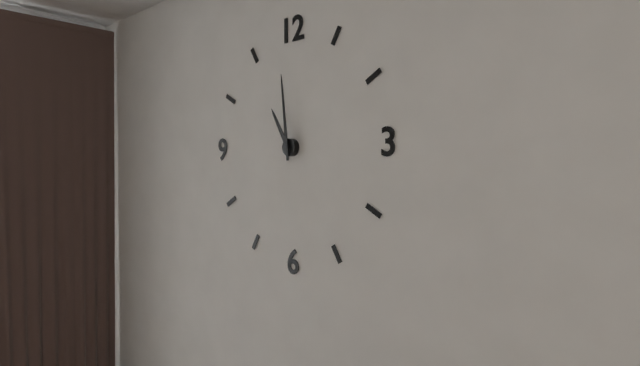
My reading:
10 h 59 min
